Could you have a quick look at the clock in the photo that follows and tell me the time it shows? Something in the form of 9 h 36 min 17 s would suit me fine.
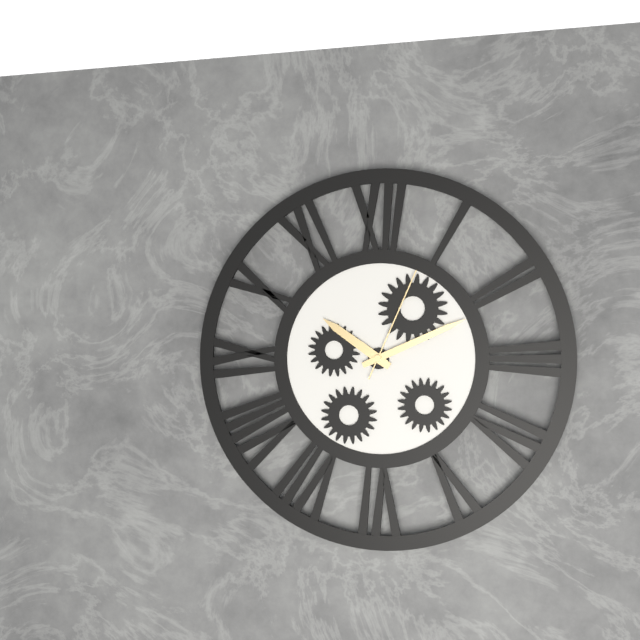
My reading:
10 h 11 min 04 s
